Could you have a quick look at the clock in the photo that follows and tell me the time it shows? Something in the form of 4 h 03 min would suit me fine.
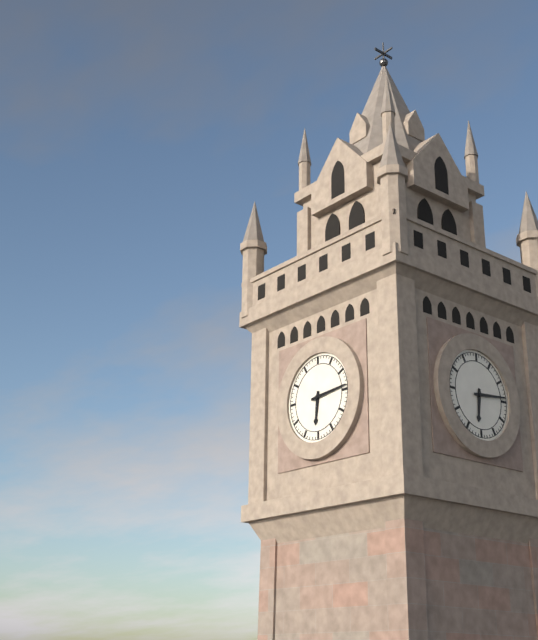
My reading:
6 h 14 min
